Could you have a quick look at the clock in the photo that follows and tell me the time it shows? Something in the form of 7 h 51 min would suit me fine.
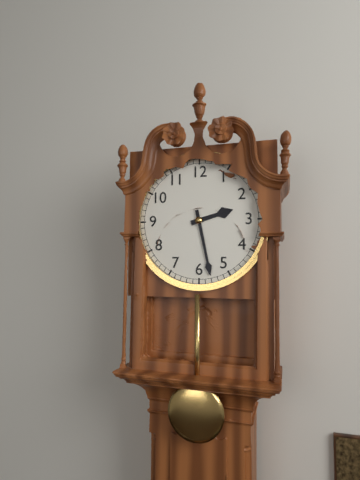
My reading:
2 h 28 min
